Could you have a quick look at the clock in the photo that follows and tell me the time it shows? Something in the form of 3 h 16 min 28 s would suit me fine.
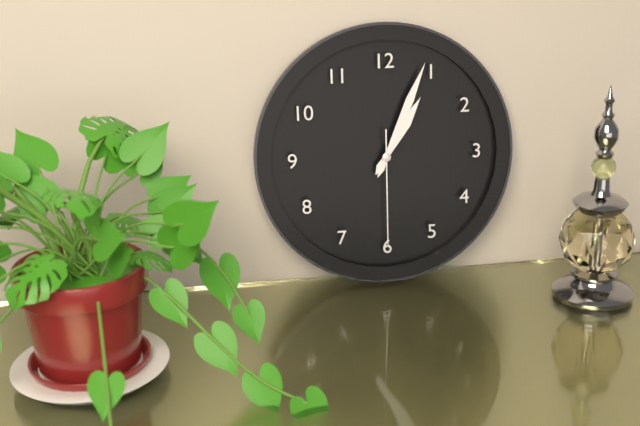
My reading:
1 h 04 min 30 s
